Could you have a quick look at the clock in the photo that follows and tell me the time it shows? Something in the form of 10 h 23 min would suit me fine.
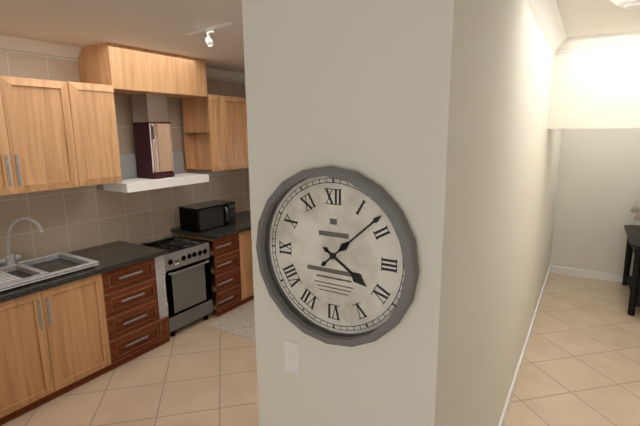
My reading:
4 h 08 min
